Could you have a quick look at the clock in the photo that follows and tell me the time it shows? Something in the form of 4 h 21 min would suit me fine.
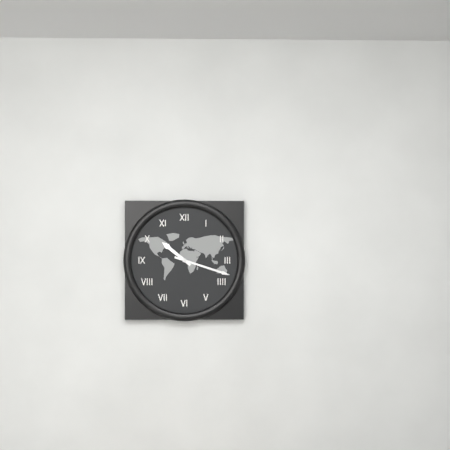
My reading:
10 h 18 min
